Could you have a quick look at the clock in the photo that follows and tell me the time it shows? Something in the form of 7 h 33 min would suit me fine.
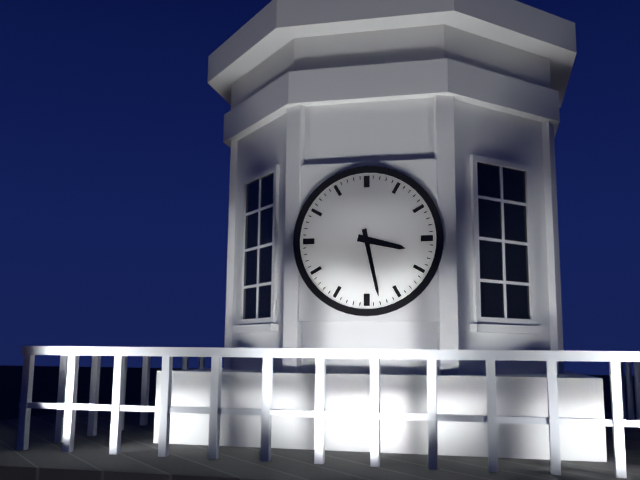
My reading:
3 h 28 min
